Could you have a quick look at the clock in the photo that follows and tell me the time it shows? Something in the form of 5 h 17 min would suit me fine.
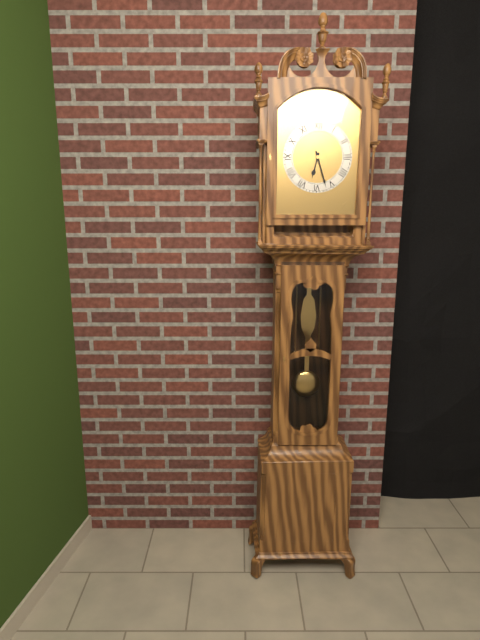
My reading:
6 h 27 min
